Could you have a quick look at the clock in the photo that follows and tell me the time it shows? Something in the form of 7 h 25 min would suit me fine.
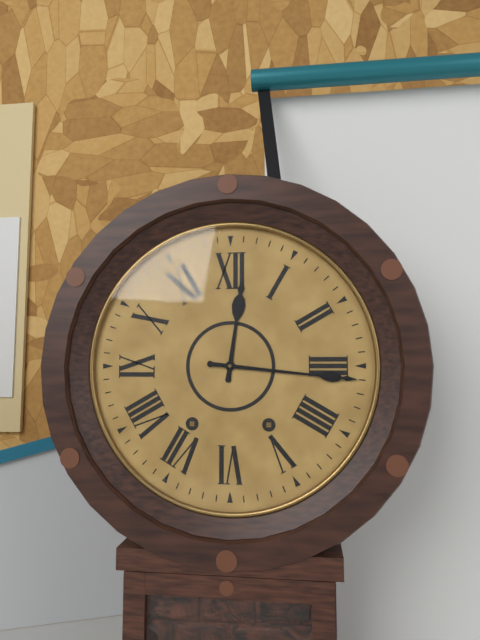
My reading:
12 h 16 min
